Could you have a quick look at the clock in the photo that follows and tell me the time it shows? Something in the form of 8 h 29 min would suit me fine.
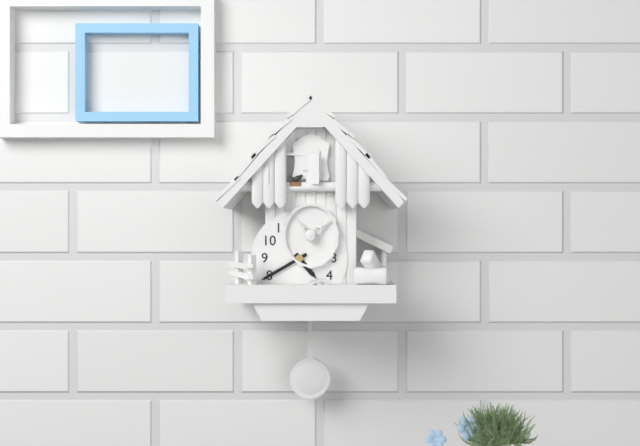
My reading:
4 h 40 min
